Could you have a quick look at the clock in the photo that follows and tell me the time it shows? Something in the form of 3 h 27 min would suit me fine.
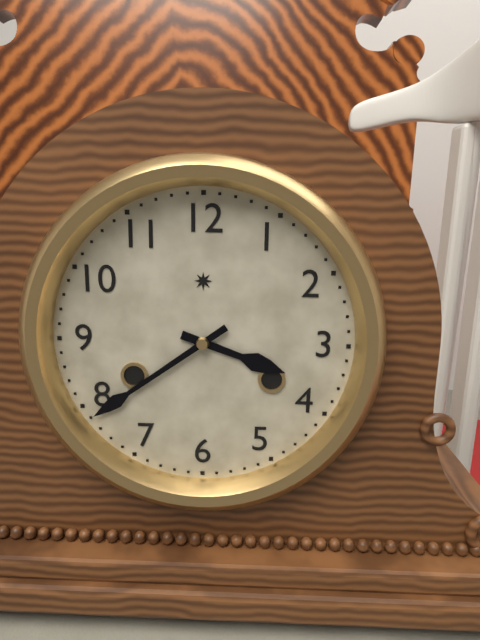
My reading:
3 h 39 min
